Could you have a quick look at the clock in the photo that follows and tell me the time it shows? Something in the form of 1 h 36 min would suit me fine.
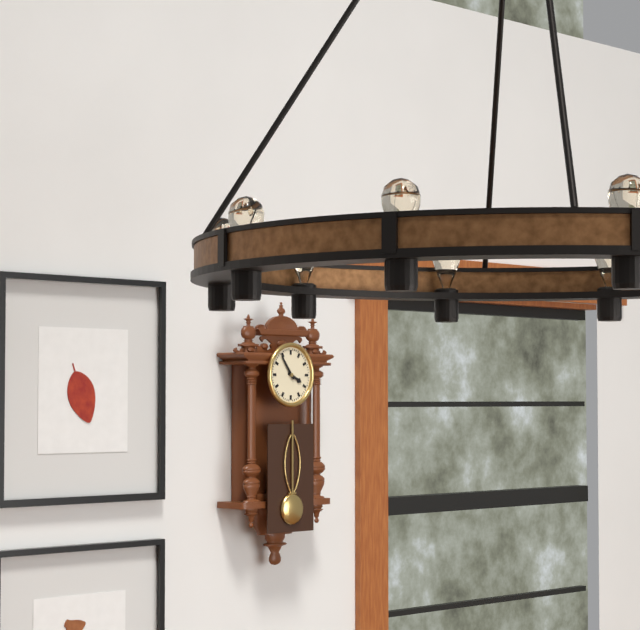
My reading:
3 h 54 min
